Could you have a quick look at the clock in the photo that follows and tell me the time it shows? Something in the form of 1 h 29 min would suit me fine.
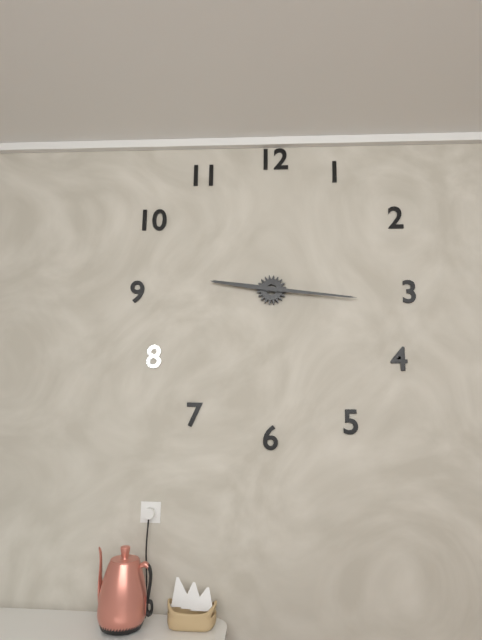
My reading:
9 h 16 min
